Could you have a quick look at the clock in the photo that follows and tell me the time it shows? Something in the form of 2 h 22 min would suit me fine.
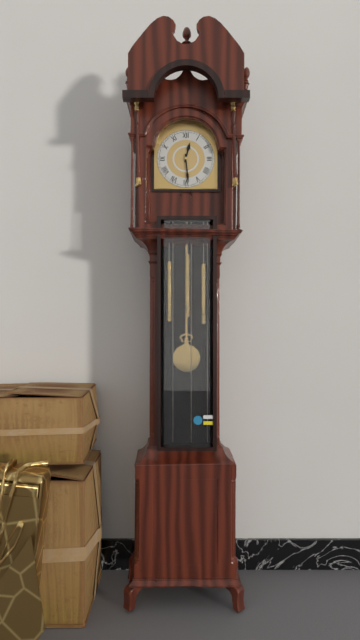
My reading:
12 h 29 min
